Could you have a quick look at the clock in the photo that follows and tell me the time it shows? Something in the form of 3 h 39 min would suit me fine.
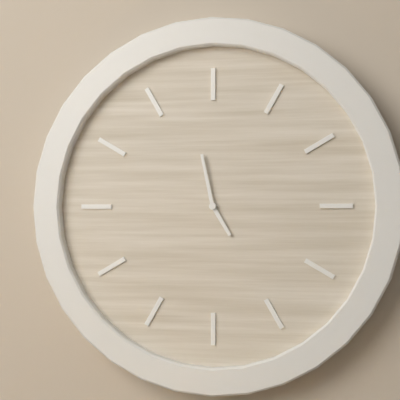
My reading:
4 h 58 min
